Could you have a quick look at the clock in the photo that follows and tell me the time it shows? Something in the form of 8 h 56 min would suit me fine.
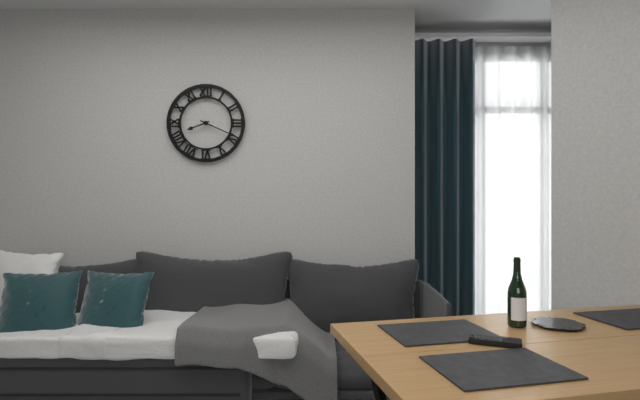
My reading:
8 h 19 min
